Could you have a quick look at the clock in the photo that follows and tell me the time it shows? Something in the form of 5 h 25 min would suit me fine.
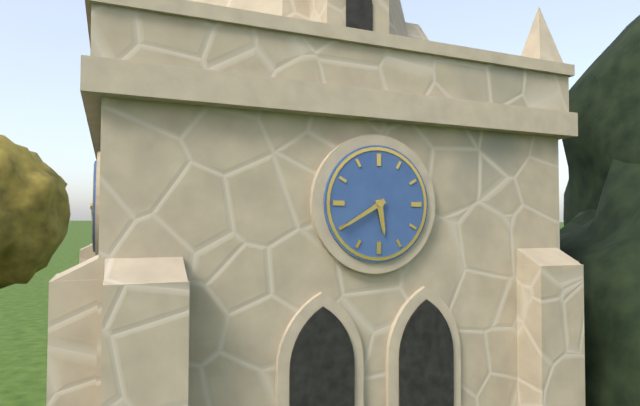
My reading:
5 h 40 min
